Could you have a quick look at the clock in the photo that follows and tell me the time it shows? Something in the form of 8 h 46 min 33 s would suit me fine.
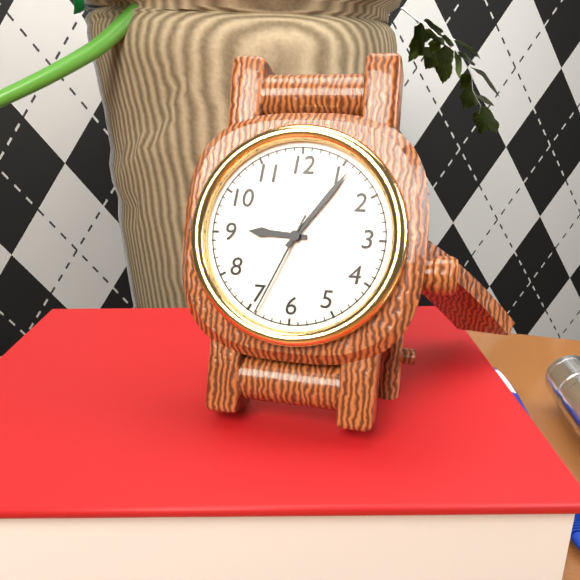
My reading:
9 h 06 min 34 s
